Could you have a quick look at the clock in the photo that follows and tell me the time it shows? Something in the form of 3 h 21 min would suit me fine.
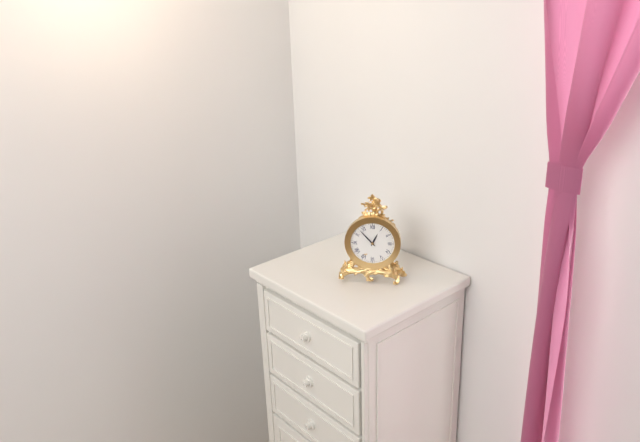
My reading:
12 h 53 min
